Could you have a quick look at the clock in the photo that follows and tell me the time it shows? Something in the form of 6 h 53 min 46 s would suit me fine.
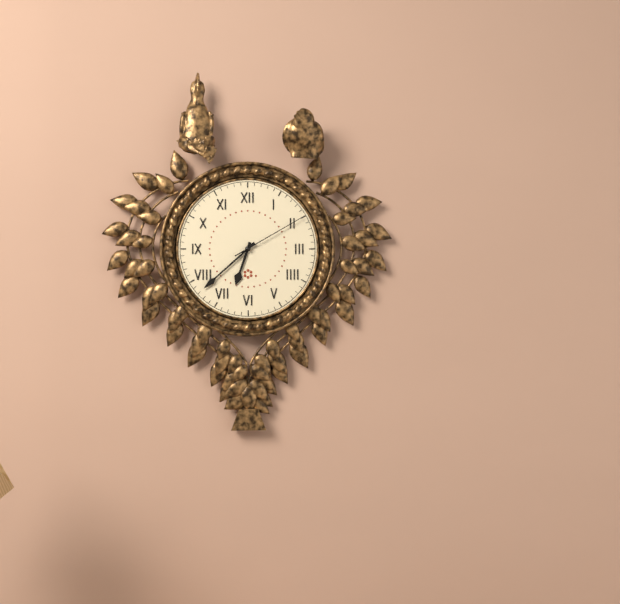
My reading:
6 h 38 min 10 s
